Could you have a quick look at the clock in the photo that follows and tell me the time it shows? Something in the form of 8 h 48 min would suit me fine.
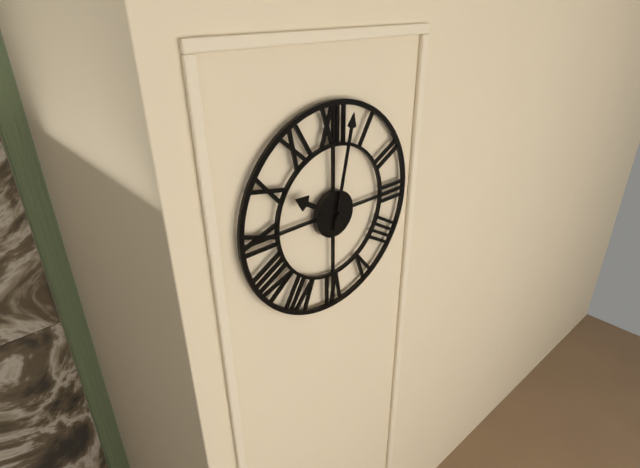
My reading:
10 h 02 min
